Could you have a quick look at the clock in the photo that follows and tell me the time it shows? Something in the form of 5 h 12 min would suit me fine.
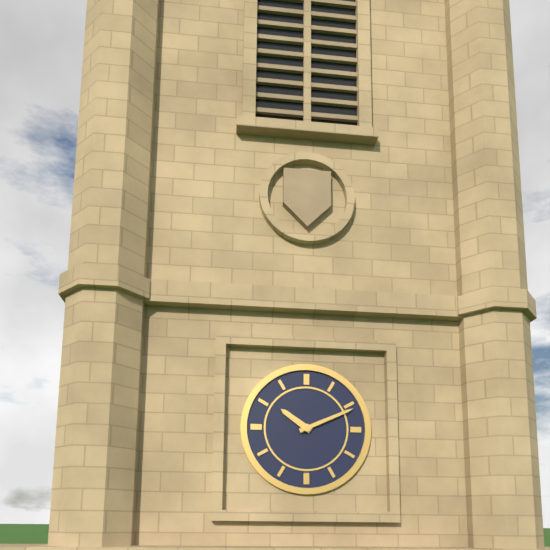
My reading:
10 h 11 min
